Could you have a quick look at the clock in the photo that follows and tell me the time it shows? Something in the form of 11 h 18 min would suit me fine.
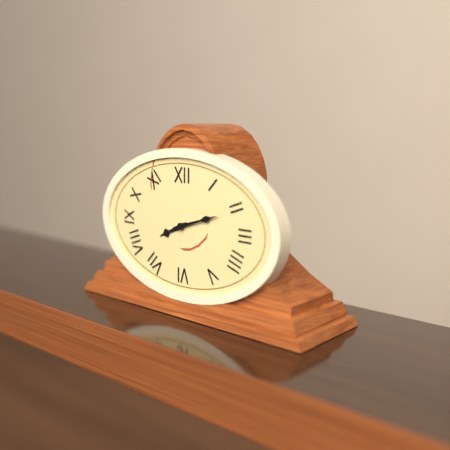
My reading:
8 h 12 min
